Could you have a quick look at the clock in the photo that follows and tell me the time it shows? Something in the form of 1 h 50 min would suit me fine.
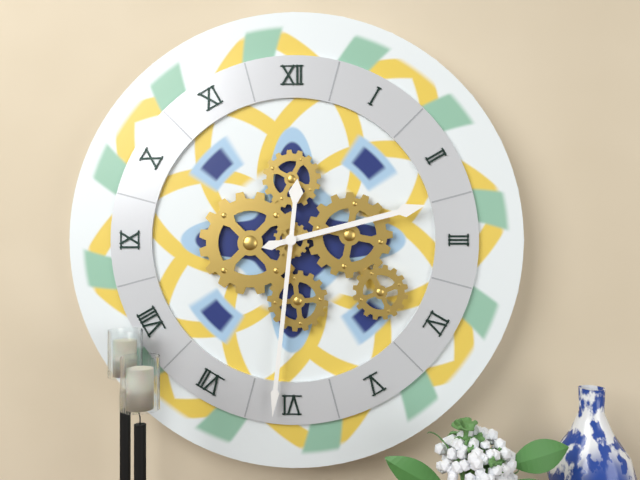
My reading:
2 h 31 min
